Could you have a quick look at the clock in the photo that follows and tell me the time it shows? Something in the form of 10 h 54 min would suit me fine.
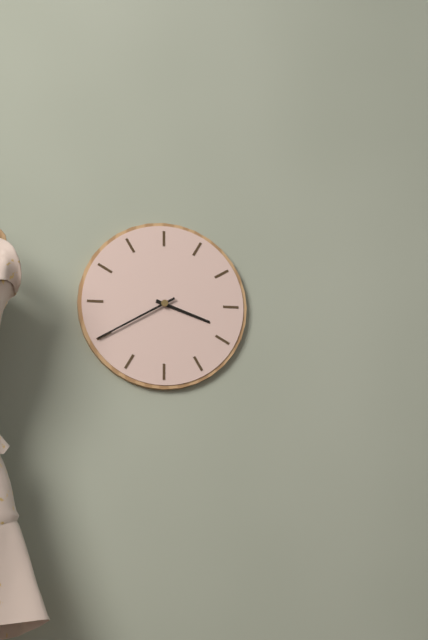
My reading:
3 h 40 min
